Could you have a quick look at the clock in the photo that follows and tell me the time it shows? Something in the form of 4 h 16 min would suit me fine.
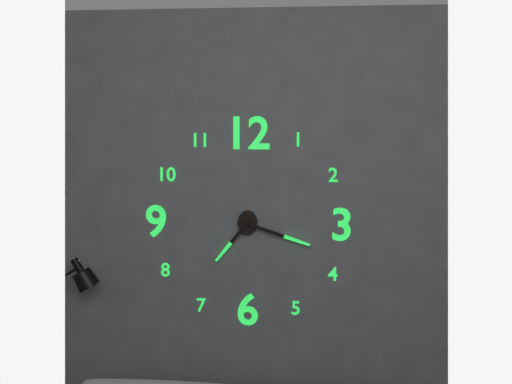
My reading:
7 h 18 min
